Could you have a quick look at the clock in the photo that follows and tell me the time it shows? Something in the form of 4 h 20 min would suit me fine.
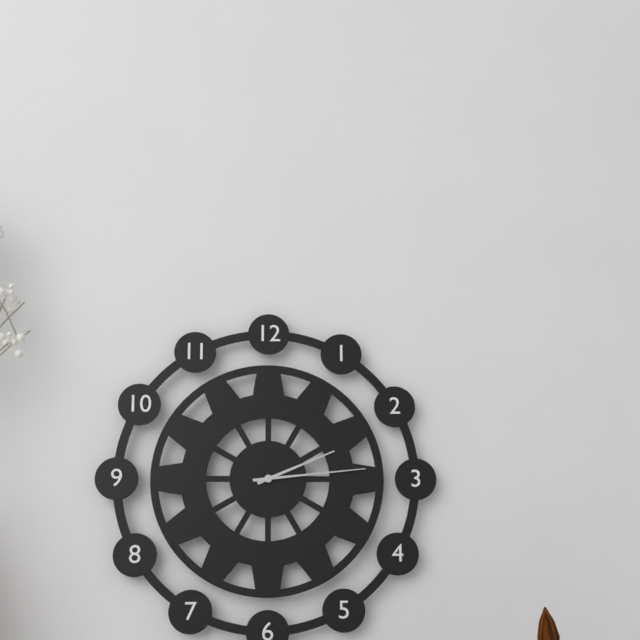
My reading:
2 h 14 min
